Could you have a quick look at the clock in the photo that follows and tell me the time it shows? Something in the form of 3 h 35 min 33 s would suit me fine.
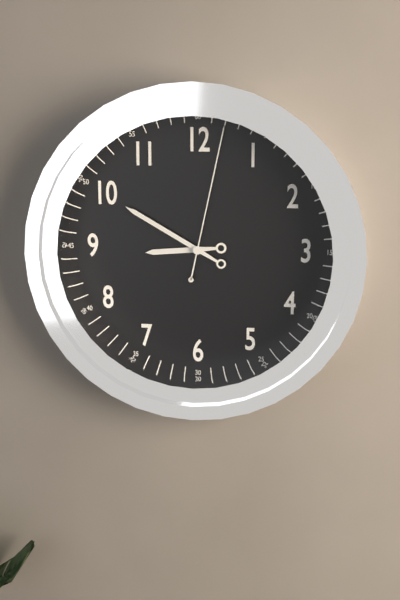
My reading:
8 h 50 min 02 s
